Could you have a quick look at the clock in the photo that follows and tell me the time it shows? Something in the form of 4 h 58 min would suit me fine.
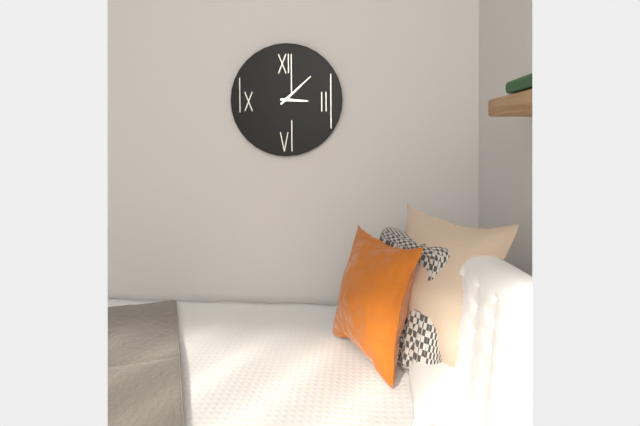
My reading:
3 h 08 min
